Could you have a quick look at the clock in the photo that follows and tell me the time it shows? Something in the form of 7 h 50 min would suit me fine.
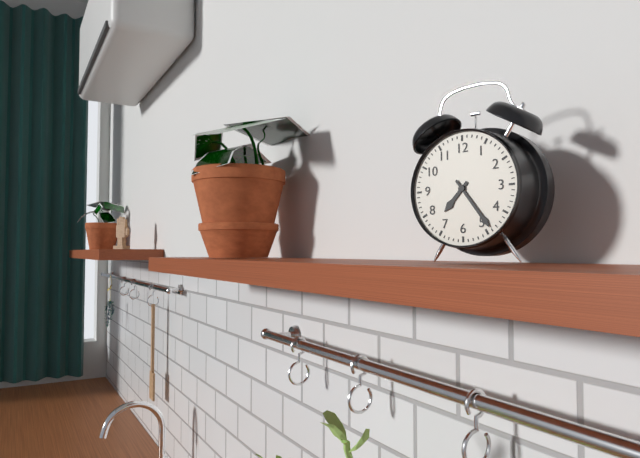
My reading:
7 h 24 min
